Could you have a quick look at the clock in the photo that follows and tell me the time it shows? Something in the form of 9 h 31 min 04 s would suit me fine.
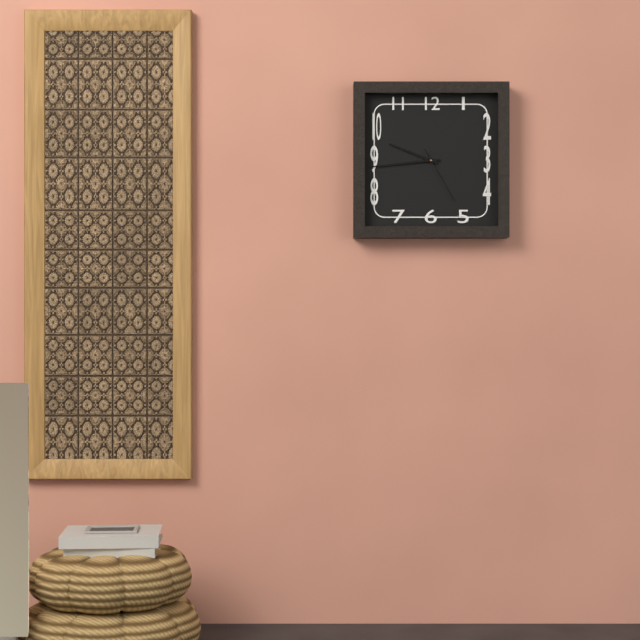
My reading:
9 h 44 min 25 s
